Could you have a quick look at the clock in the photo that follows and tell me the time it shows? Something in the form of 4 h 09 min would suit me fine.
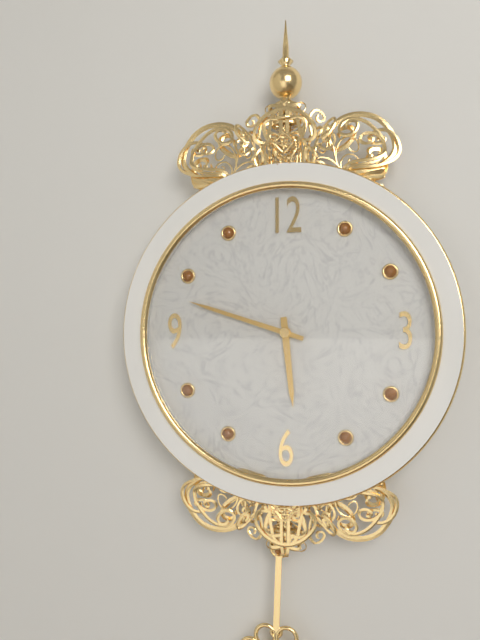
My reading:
5 h 48 min
